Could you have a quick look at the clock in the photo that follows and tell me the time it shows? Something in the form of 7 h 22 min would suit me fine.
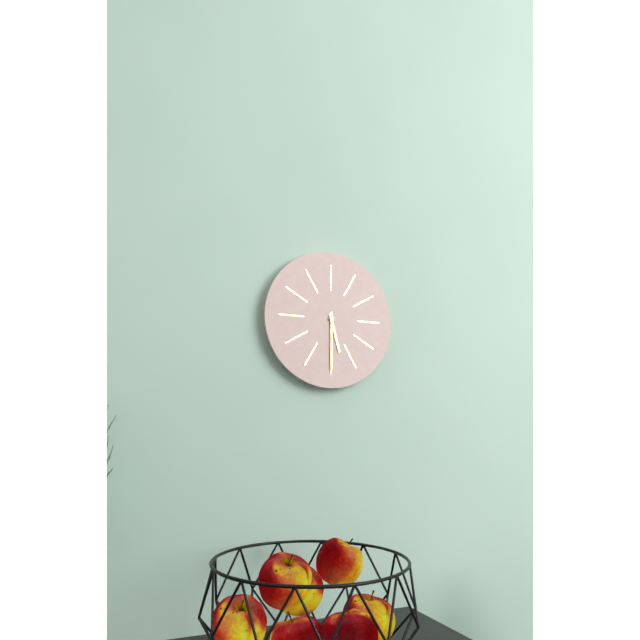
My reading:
5 h 30 min
